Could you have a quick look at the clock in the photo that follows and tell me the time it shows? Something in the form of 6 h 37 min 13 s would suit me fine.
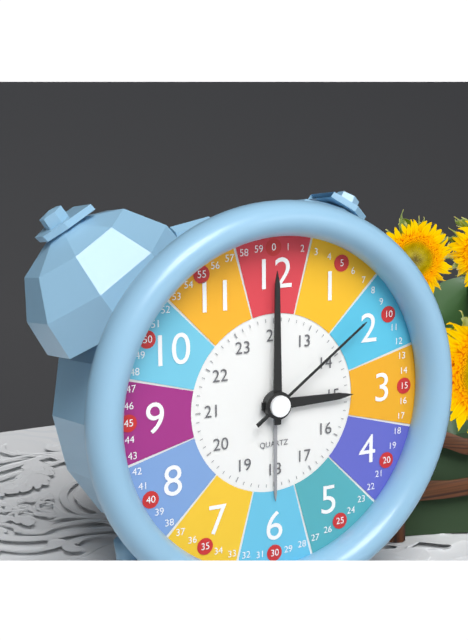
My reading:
3 h 00 min 09 s
